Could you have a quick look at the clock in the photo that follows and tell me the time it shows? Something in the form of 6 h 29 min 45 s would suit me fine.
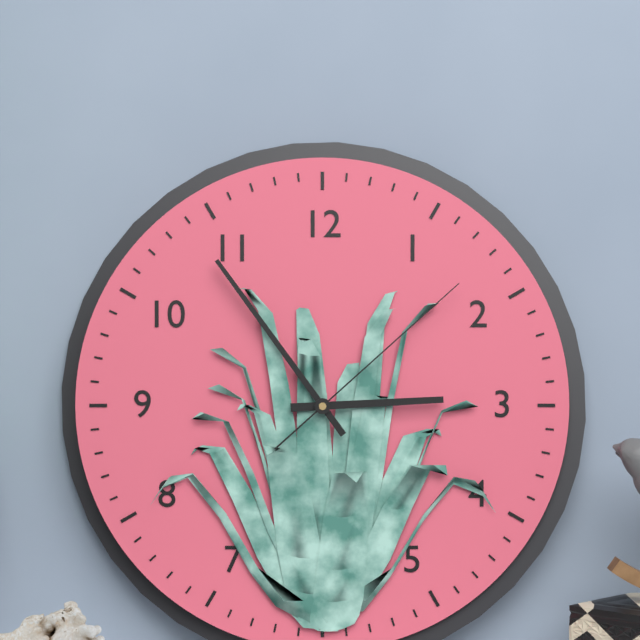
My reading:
2 h 54 min 08 s
